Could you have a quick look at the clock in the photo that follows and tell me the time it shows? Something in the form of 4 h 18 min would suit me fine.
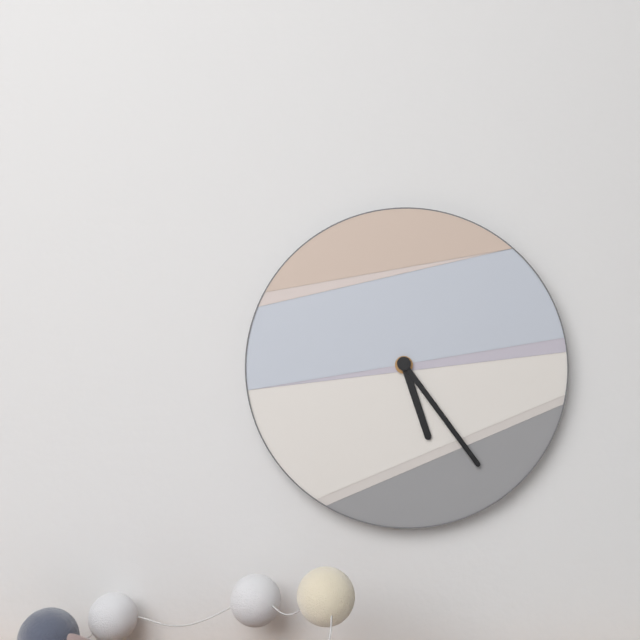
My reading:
5 h 24 min
